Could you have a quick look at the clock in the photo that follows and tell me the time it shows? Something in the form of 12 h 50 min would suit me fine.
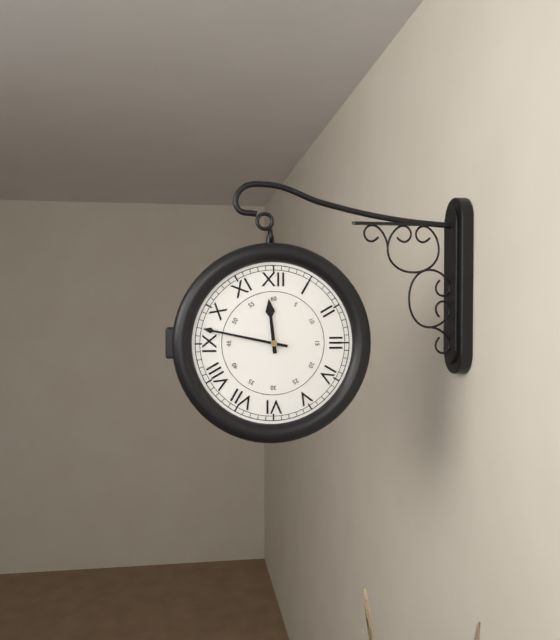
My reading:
11 h 47 min
